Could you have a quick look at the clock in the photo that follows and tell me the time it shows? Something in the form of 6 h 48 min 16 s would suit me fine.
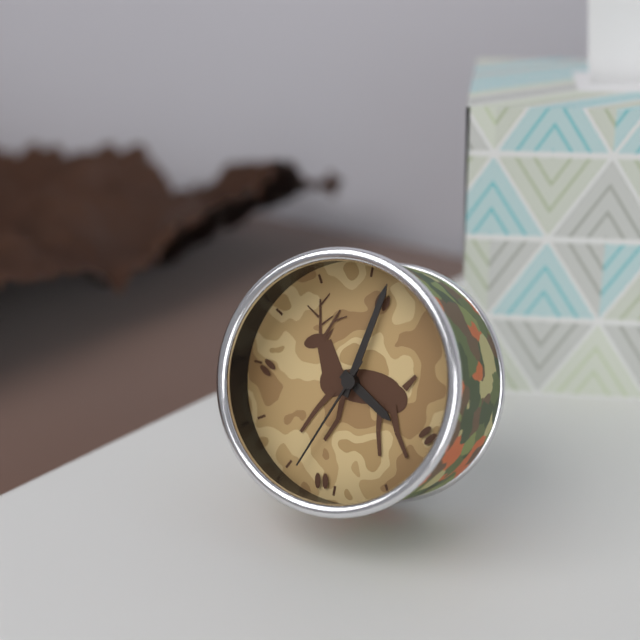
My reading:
4 h 02 min 34 s
